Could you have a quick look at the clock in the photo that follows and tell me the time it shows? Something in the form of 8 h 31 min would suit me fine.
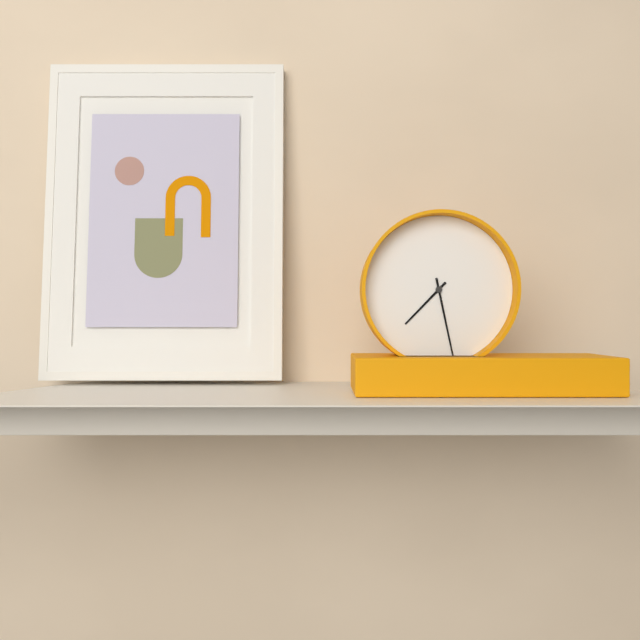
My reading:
7 h 28 min
